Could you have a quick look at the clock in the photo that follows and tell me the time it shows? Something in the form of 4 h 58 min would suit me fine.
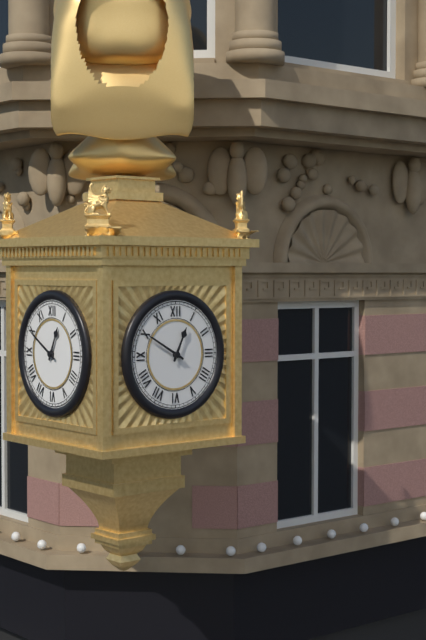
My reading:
12 h 50 min
